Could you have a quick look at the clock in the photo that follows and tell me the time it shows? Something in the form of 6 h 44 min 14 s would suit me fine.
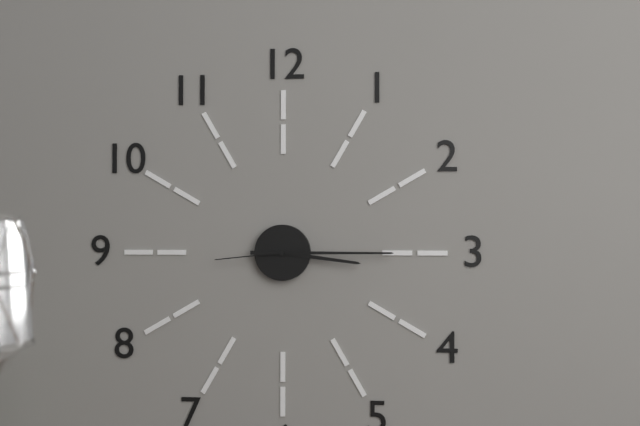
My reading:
3 h 15 min 44 s
